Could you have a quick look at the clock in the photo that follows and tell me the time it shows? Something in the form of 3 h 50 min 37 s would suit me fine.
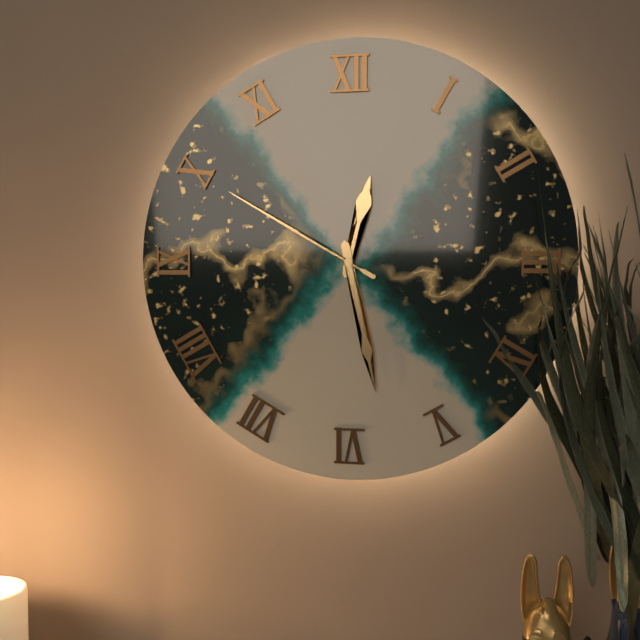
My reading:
12 h 28 min 50 s
